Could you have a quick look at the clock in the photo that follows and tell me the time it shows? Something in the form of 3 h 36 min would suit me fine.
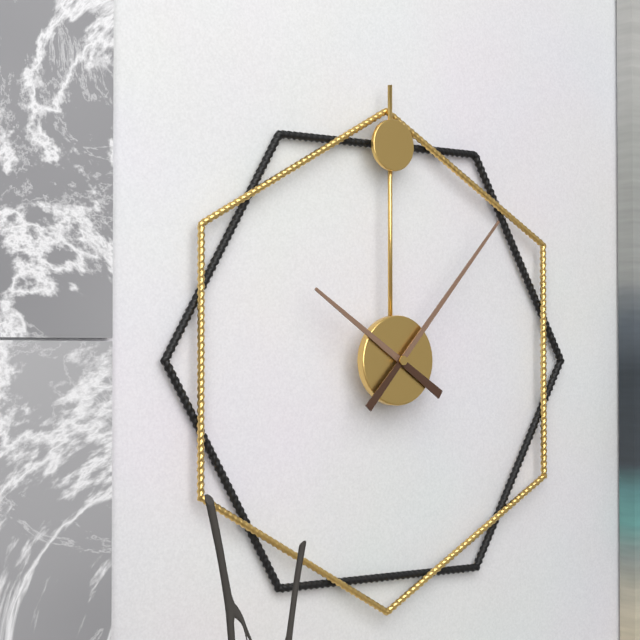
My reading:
10 h 07 min
